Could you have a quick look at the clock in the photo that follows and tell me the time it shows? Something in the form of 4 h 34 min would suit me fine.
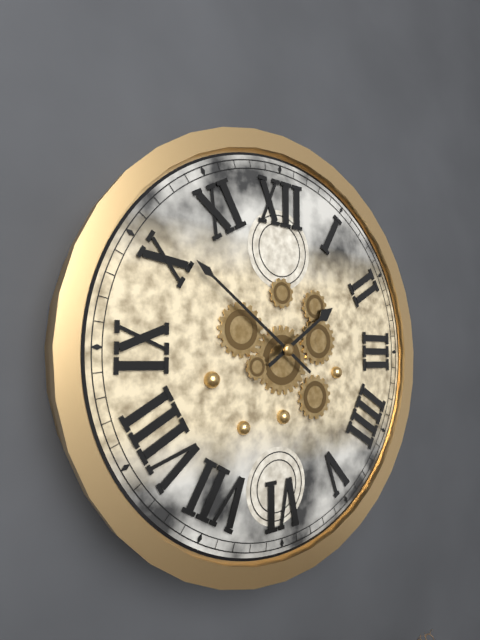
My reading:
1 h 51 min
